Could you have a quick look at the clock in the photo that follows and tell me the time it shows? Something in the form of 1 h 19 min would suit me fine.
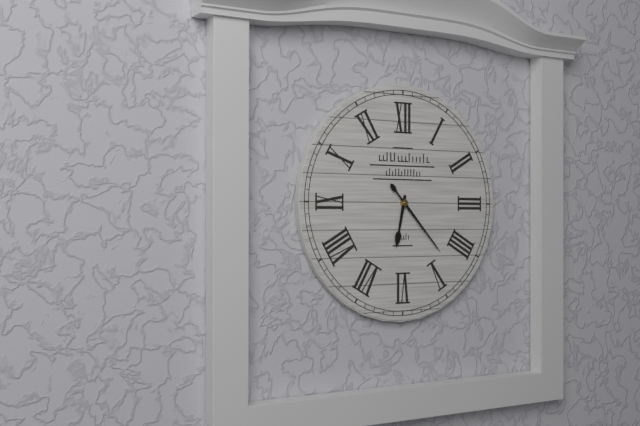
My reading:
6 h 23 min
